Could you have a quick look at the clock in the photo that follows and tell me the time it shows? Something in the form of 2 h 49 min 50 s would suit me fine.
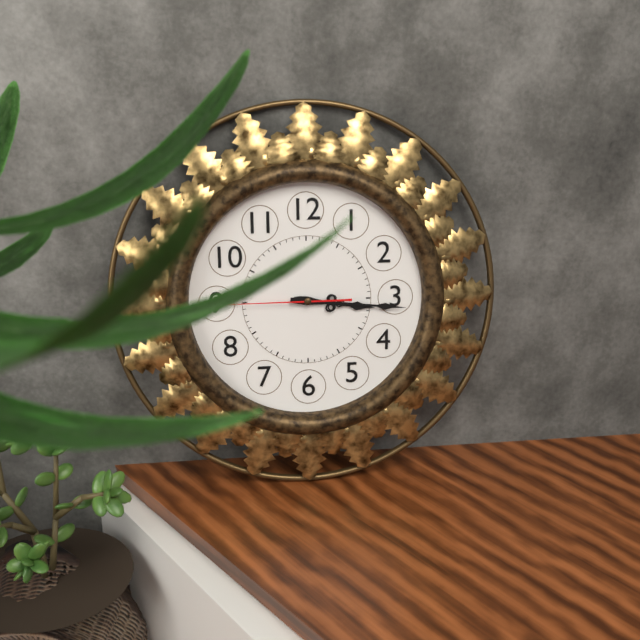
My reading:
3 h 16 min 45 s
